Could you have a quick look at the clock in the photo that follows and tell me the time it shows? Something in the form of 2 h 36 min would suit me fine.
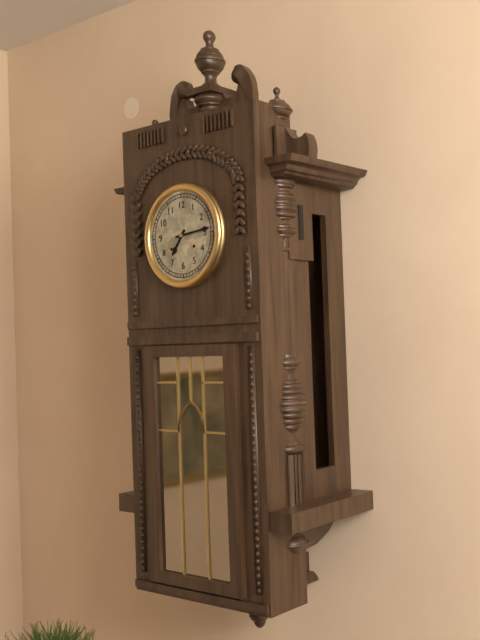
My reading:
7 h 14 min
